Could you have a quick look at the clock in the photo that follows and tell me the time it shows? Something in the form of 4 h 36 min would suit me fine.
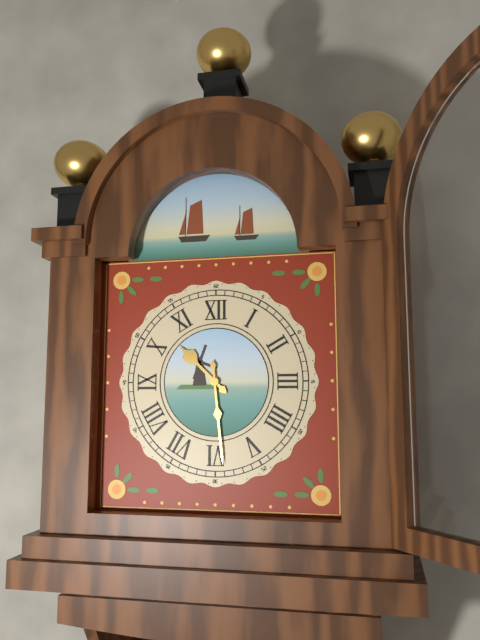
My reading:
10 h 29 min
